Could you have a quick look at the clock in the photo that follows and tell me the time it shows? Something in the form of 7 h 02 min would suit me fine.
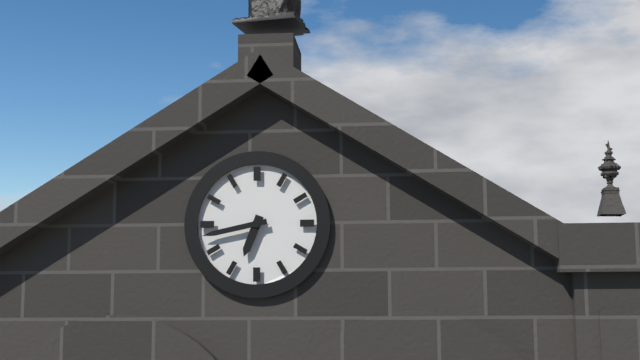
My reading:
6 h 43 min
